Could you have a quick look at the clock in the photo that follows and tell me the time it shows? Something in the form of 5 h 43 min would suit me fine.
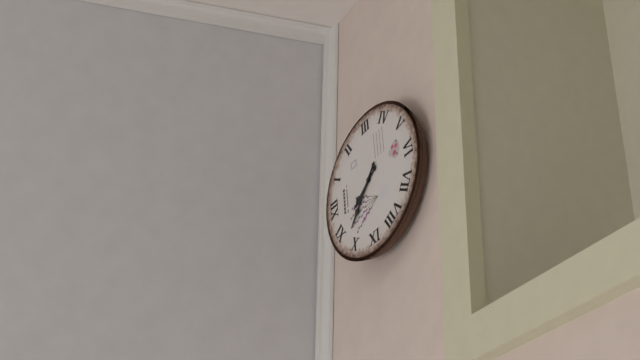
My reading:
10 h 52 min
